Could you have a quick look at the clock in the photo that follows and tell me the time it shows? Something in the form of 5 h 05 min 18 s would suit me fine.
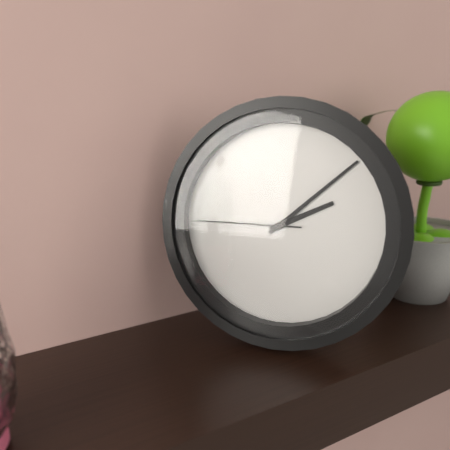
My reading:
2 h 08 min 45 s
